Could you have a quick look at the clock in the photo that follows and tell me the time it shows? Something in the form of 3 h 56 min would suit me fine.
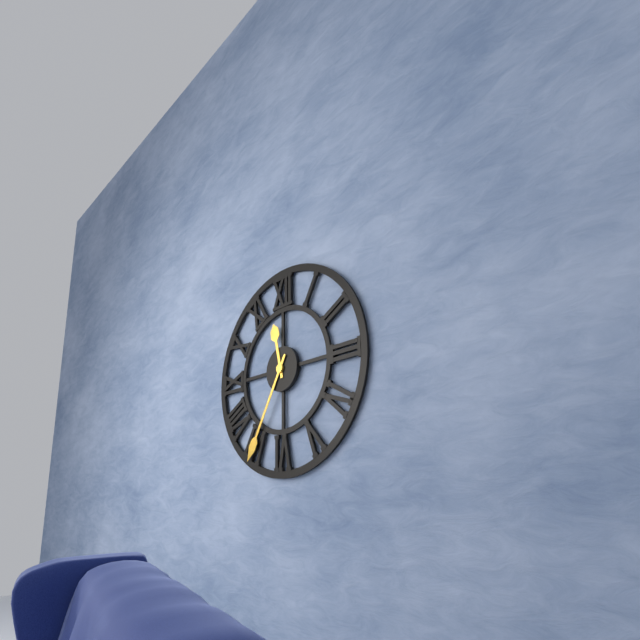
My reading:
11 h 35 min
